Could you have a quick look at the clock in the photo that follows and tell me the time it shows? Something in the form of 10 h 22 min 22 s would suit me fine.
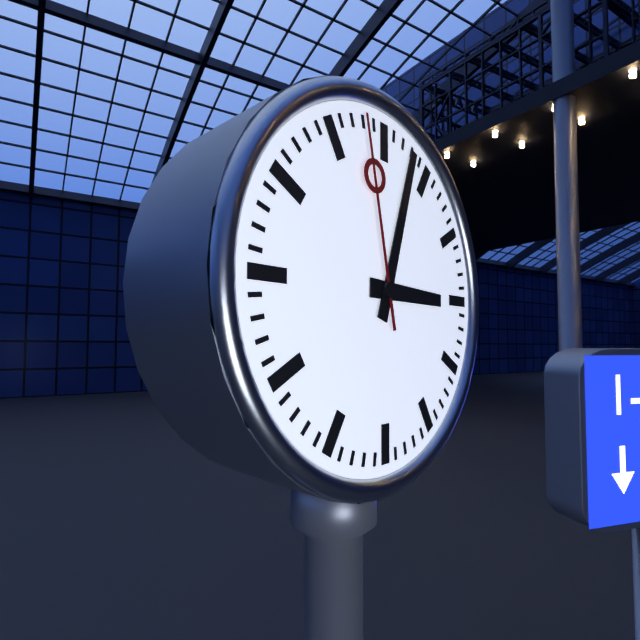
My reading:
3 h 03 min 58 s
